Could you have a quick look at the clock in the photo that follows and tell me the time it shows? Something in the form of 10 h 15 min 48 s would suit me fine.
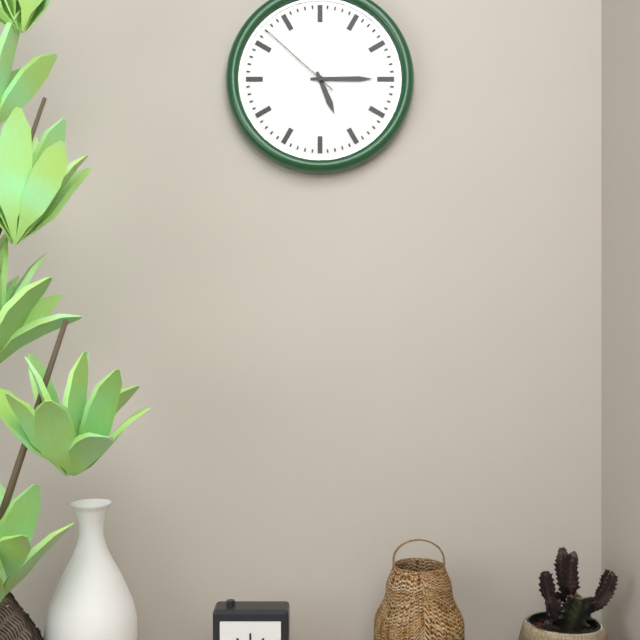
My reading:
5 h 15 min 52 s
